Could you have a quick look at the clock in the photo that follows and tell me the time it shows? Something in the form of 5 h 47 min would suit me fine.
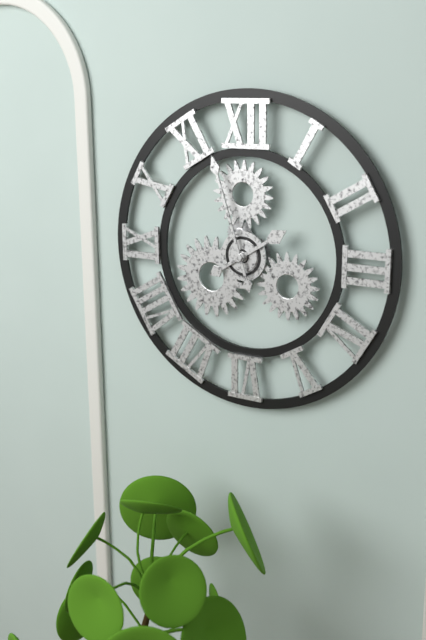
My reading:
1 h 57 min
